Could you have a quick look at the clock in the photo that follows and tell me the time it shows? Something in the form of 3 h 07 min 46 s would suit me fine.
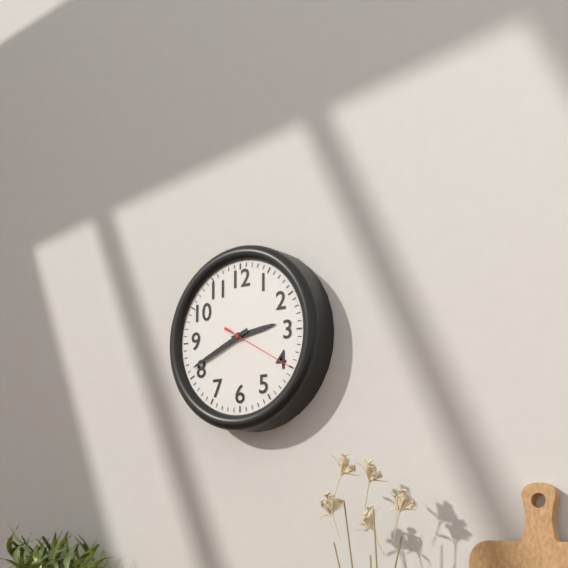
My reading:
2 h 41 min 20 s
